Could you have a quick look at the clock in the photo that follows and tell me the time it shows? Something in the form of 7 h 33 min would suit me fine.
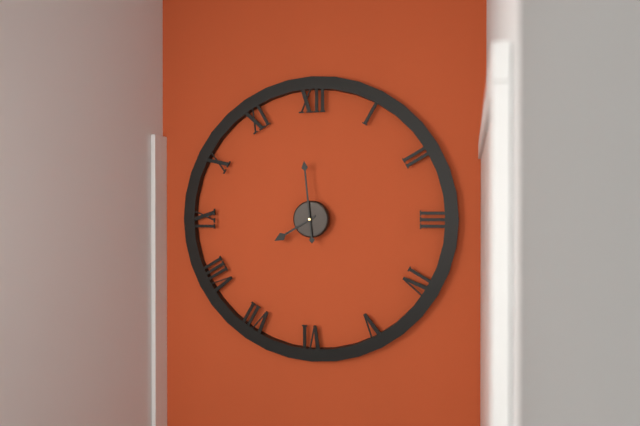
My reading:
7 h 59 min
